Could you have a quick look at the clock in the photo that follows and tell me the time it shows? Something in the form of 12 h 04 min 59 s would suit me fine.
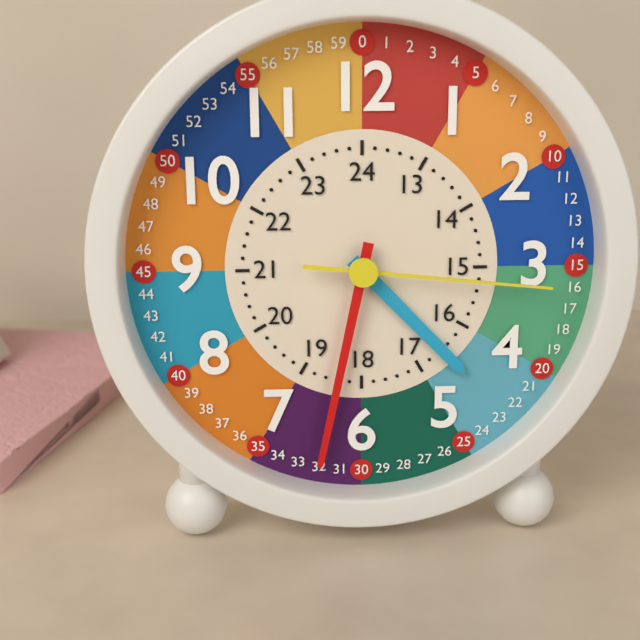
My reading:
4 h 32 min 16 s
